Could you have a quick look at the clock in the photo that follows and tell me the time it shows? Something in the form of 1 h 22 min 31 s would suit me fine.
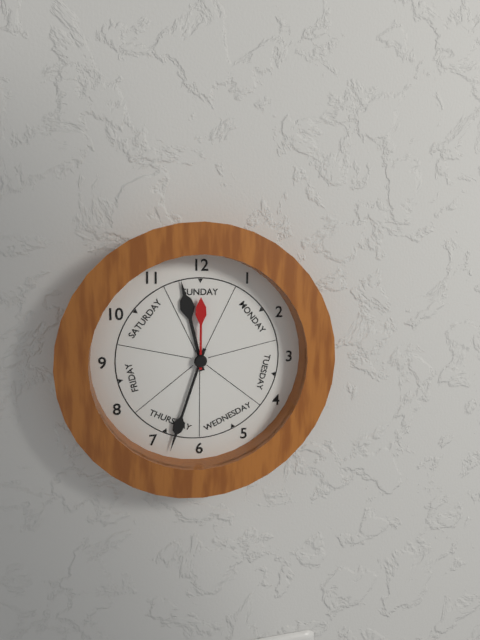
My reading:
11 h 33 min 00 s
